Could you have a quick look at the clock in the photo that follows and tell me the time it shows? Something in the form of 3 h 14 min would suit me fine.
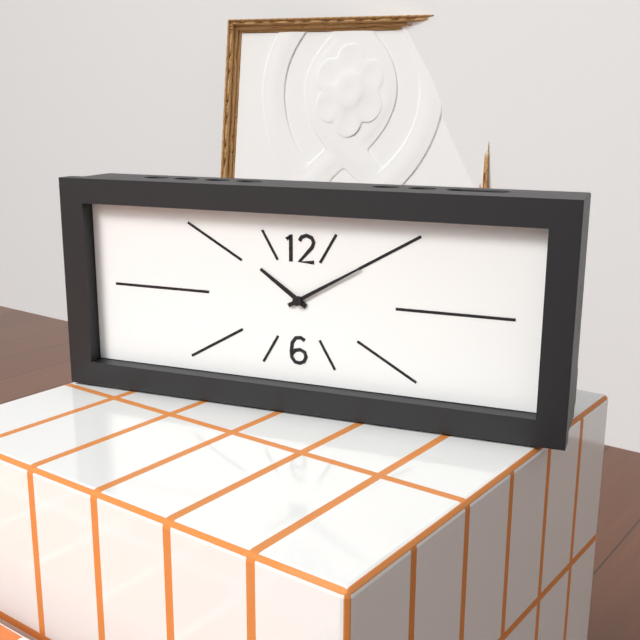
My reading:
10 h 10 min
